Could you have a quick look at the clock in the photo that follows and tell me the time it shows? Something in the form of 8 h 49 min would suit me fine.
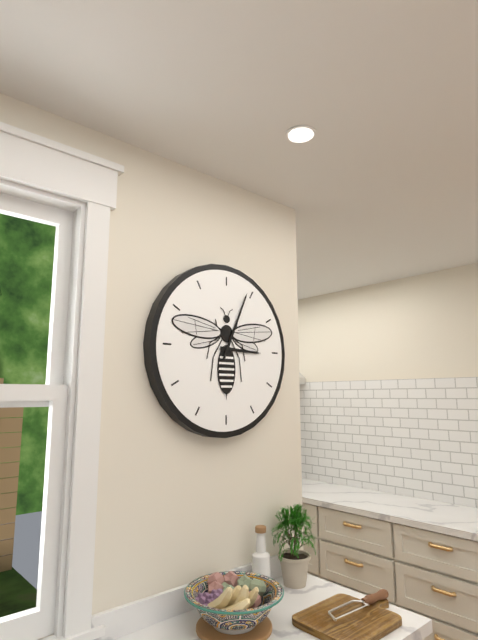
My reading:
3 h 04 min
